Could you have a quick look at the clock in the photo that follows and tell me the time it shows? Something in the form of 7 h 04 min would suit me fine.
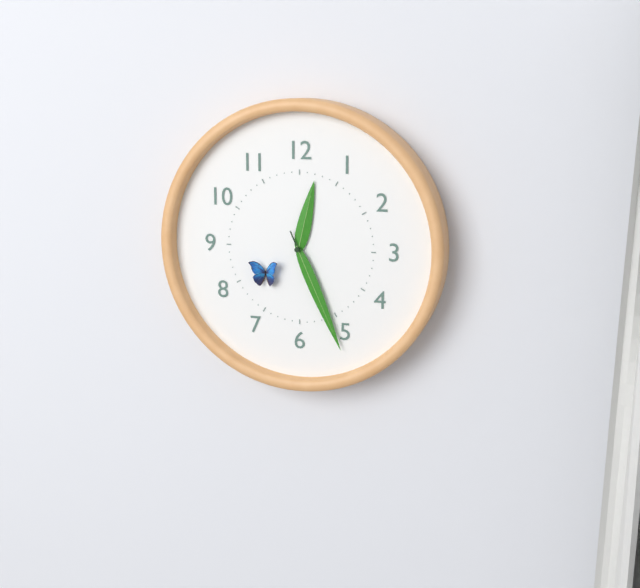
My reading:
12 h 26 min
